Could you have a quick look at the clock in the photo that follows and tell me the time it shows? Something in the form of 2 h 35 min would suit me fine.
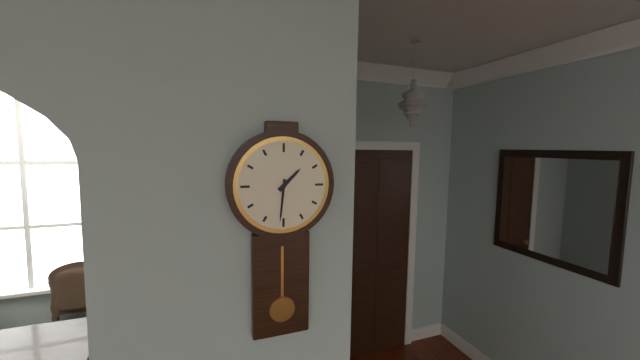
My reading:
1 h 31 min
